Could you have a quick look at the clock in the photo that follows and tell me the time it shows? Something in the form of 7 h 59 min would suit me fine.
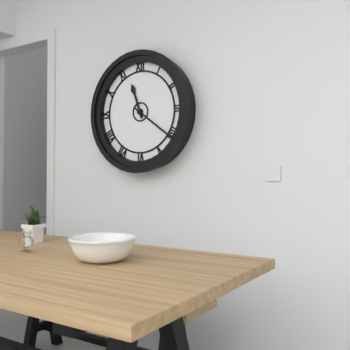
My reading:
11 h 21 min
